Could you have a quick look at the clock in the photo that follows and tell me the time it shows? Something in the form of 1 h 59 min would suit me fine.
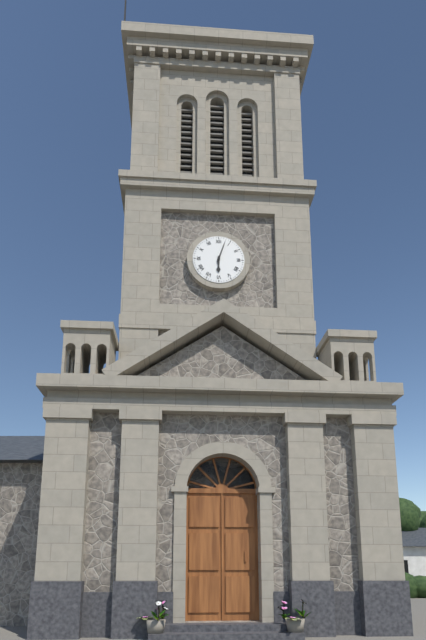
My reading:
6 h 03 min
